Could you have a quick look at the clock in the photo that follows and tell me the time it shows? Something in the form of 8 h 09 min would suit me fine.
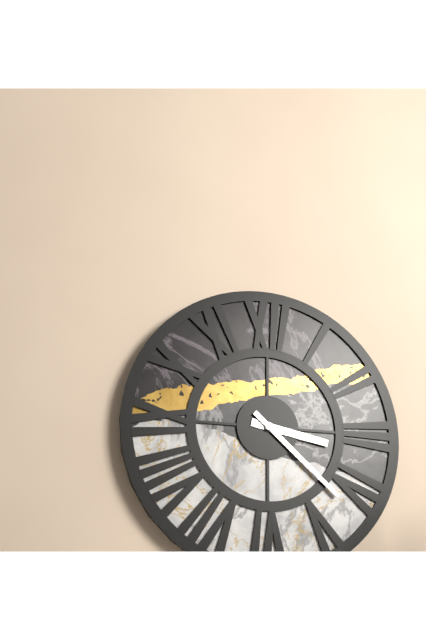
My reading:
3 h 22 min
